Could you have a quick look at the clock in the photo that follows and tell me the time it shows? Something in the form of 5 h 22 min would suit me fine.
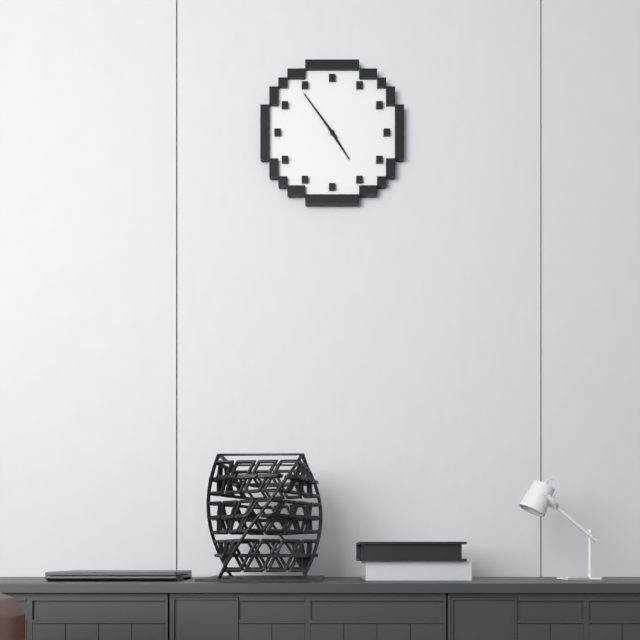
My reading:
4 h 54 min
